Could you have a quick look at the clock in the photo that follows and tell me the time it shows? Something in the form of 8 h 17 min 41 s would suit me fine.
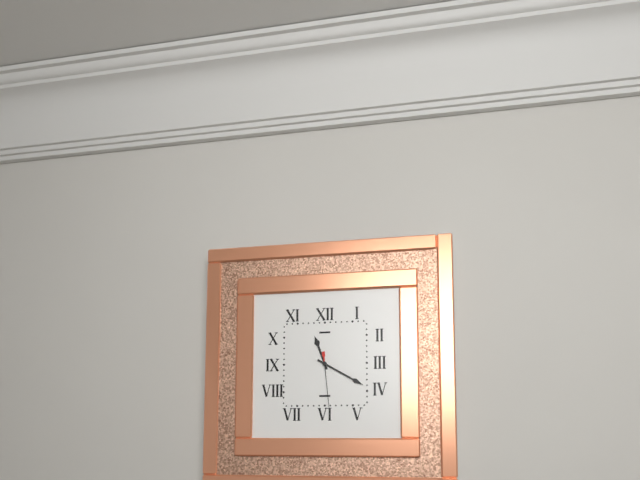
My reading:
11 h 20 min 29 s
